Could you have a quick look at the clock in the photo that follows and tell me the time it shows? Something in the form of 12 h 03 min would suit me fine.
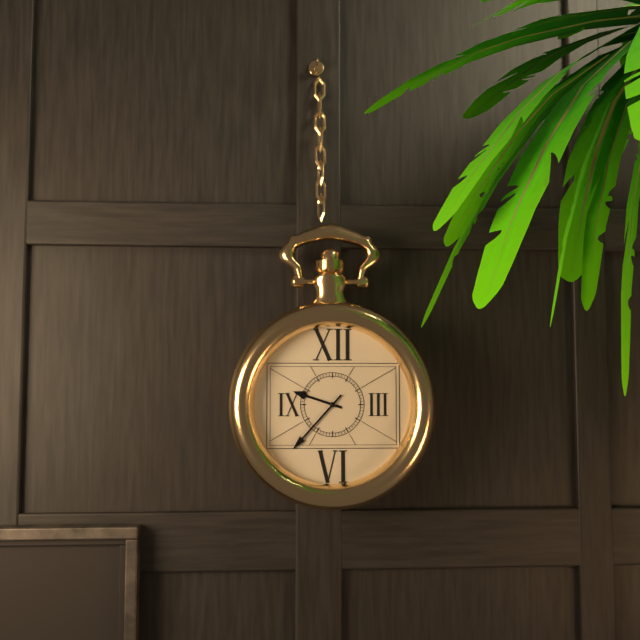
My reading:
9 h 37 min
